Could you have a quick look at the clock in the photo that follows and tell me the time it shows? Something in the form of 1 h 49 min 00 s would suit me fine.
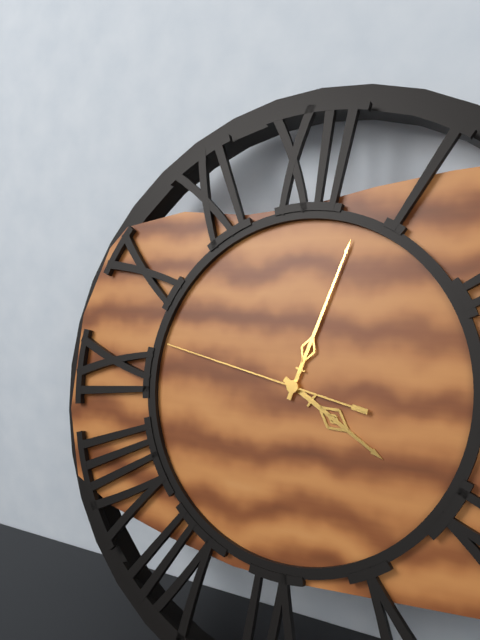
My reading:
4 h 03 min 47 s
